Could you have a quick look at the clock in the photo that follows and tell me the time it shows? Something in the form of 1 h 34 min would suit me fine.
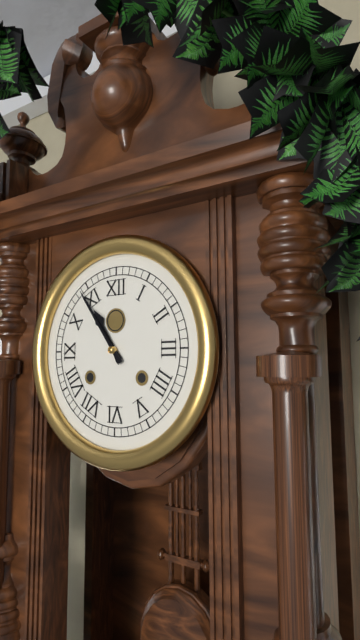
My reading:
10 h 54 min
